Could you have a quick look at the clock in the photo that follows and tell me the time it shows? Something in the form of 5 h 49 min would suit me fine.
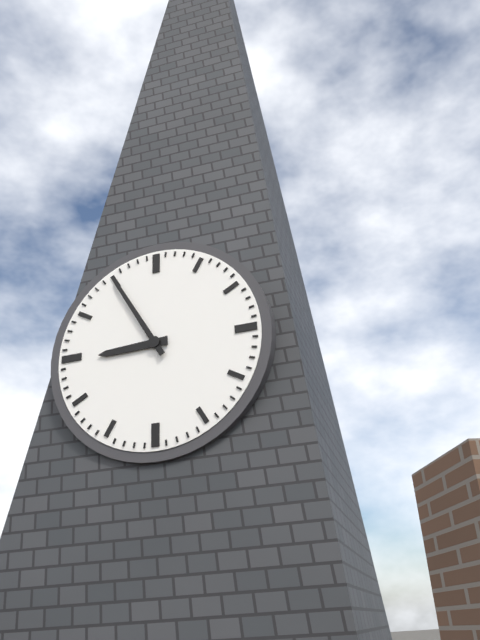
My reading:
8 h 55 min
